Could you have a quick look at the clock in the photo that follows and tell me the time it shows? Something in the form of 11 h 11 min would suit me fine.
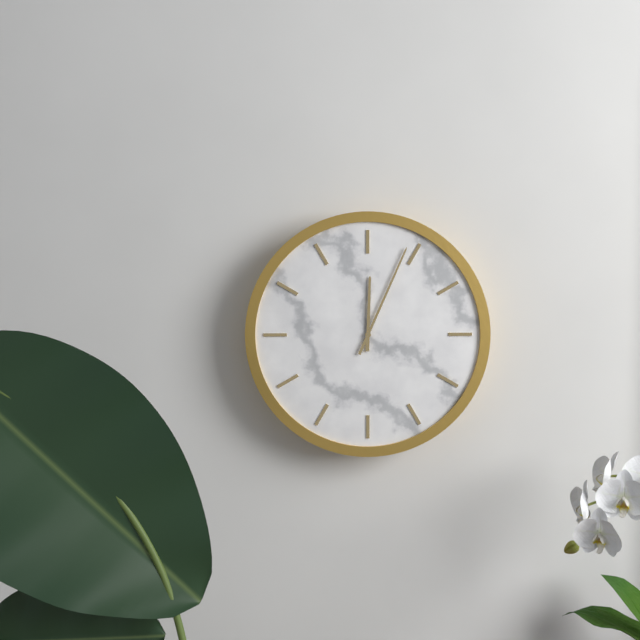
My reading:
12 h 04 min
